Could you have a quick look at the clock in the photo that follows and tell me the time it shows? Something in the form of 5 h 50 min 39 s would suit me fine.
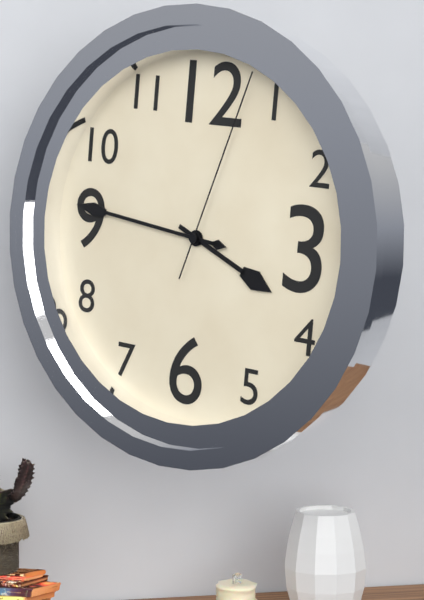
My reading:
3 h 46 min 03 s
